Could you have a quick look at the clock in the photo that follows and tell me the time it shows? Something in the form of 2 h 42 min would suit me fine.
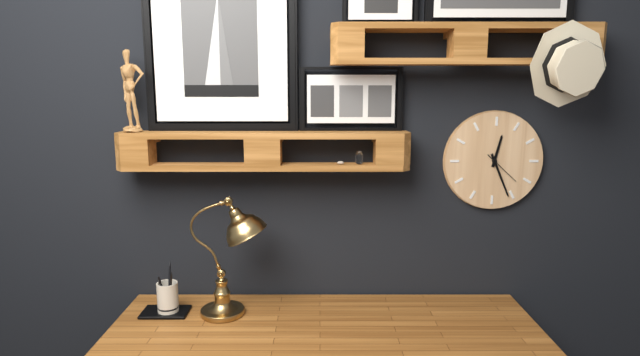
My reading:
12 h 26 min
